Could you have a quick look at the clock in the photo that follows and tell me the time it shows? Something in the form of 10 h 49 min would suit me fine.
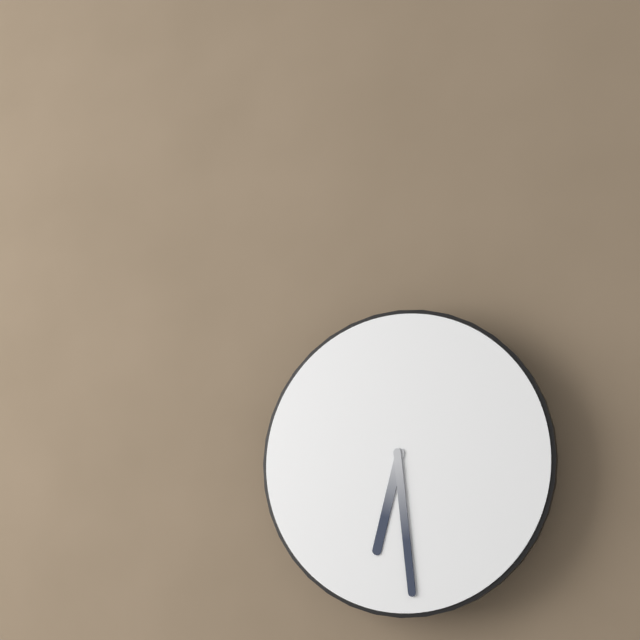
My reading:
6 h 29 min
